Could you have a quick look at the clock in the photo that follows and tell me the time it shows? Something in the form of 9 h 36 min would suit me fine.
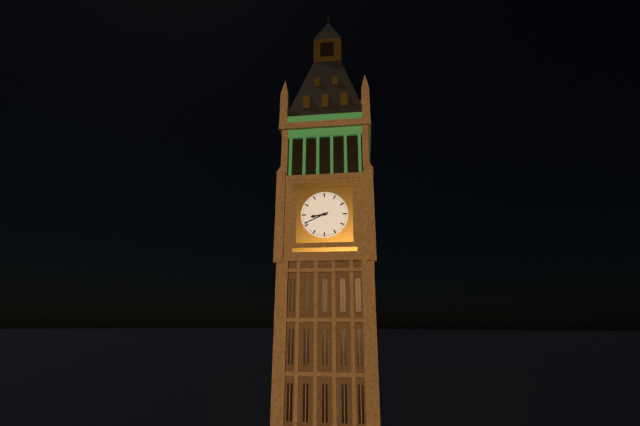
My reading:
8 h 41 min
